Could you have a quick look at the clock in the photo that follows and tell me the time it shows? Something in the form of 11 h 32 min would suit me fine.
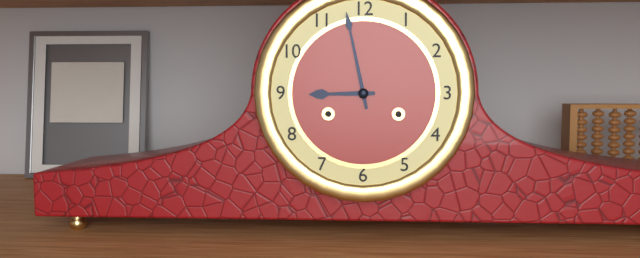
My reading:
8 h 58 min
